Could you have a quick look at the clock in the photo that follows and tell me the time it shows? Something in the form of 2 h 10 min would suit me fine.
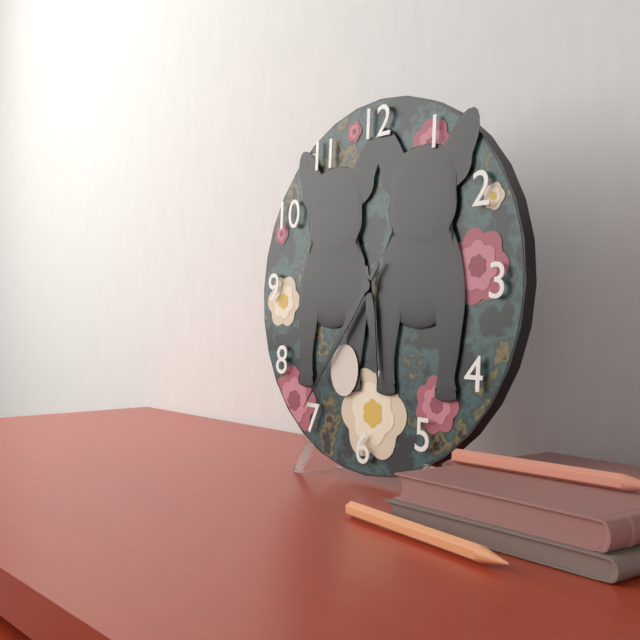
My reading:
5 h 36 min
